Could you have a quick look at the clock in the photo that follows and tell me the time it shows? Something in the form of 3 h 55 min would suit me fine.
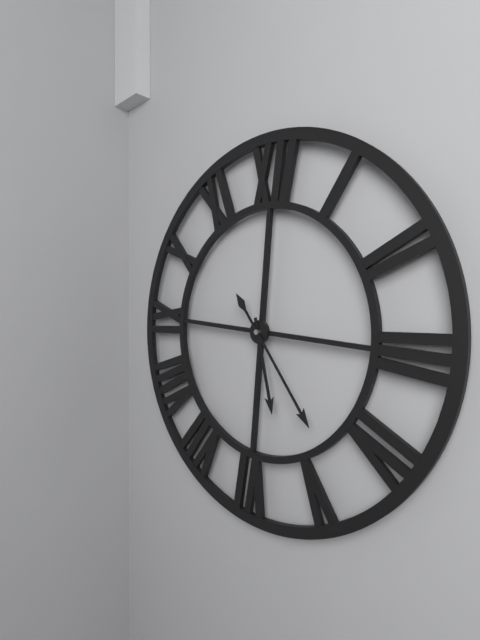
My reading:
5 h 23 min
